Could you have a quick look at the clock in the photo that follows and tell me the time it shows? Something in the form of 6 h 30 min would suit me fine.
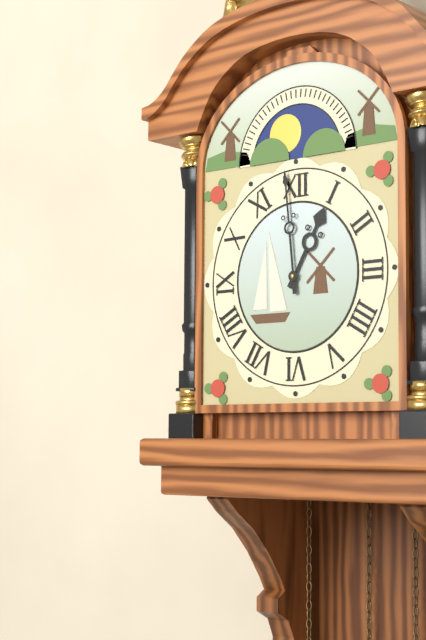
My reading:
12 h 59 min
